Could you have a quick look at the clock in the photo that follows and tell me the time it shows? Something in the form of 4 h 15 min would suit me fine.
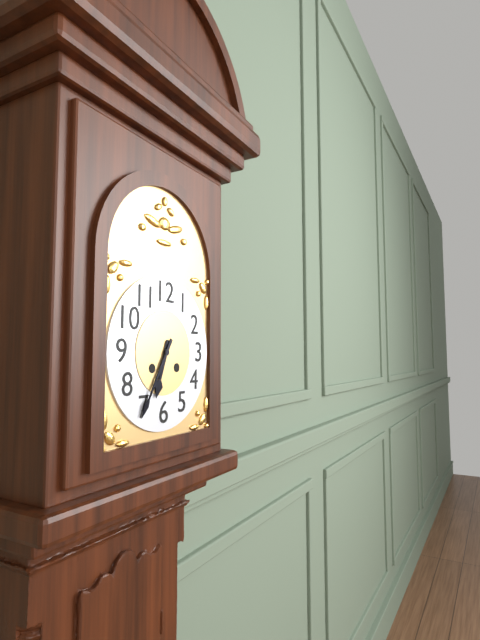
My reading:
6 h 35 min
